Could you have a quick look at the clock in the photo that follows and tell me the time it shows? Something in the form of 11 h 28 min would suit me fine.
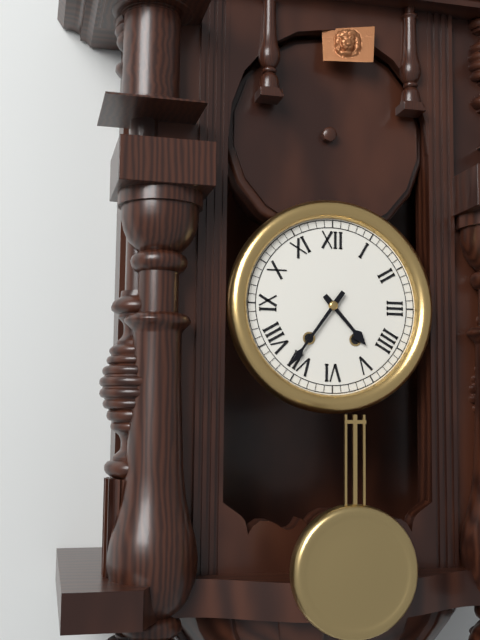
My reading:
4 h 36 min
